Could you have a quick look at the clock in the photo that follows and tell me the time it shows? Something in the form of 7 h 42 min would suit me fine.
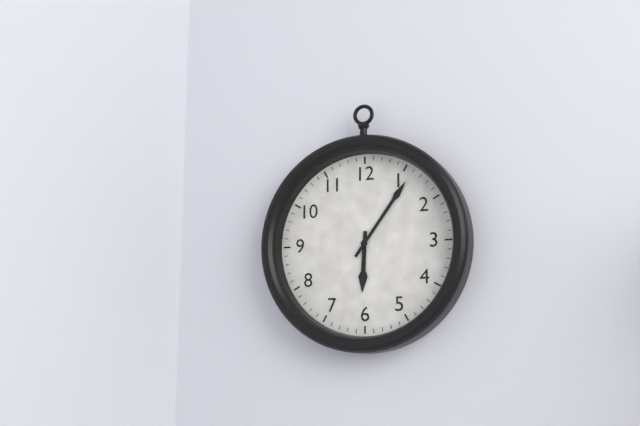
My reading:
6 h 06 min
